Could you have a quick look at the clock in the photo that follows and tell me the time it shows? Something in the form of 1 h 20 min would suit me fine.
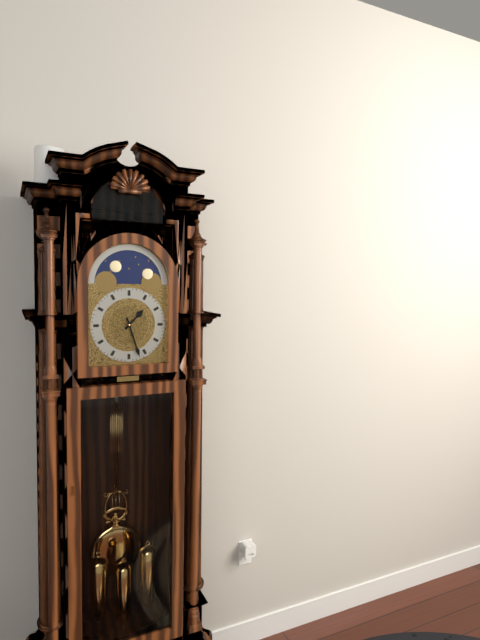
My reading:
1 h 27 min
